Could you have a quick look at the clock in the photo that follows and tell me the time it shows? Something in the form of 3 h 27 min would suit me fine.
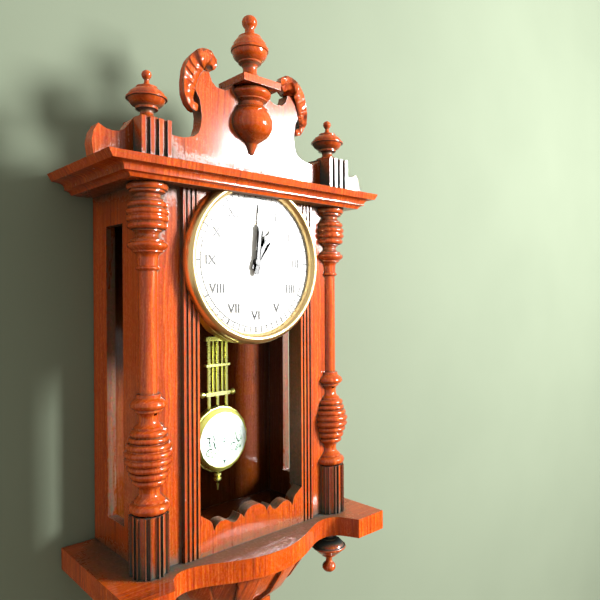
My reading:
1 h 01 min
